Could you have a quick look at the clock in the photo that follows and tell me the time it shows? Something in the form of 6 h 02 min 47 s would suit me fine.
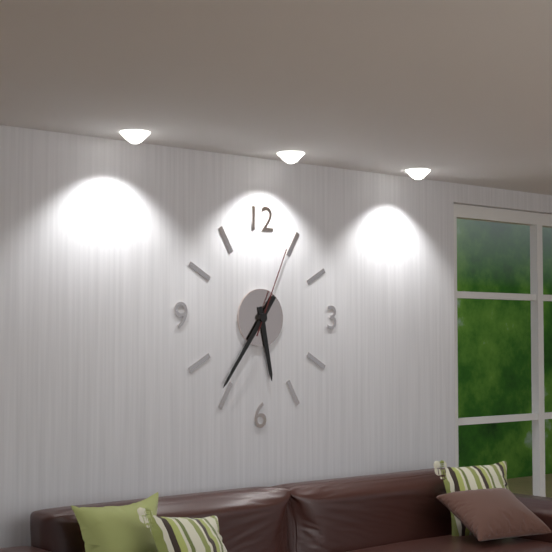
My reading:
5 h 36 min 04 s
